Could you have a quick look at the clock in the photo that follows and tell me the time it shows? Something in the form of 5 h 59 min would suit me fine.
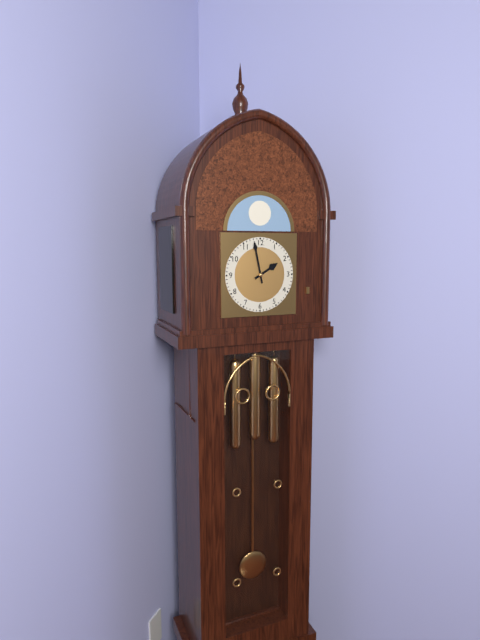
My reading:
1 h 58 min
